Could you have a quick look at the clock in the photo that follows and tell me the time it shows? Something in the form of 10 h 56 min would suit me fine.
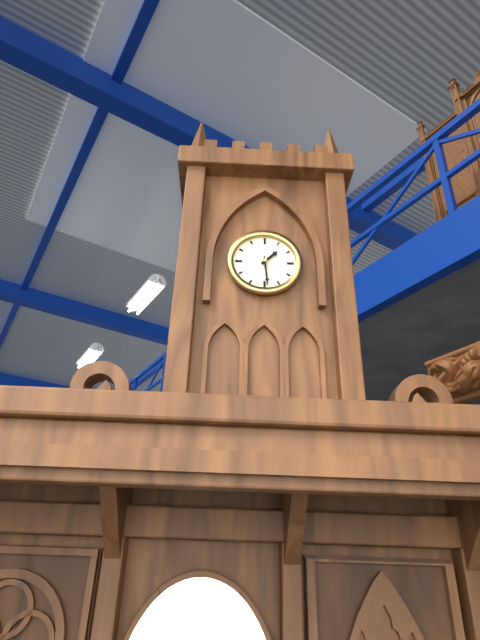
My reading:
1 h 29 min
